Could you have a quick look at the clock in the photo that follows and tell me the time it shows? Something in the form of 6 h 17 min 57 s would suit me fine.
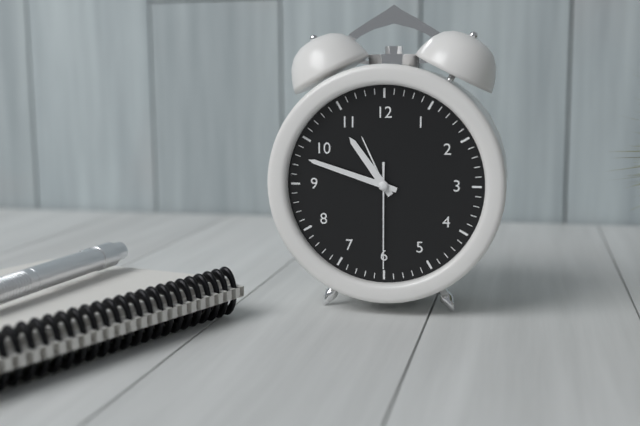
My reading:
10 h 48 min 30 s
